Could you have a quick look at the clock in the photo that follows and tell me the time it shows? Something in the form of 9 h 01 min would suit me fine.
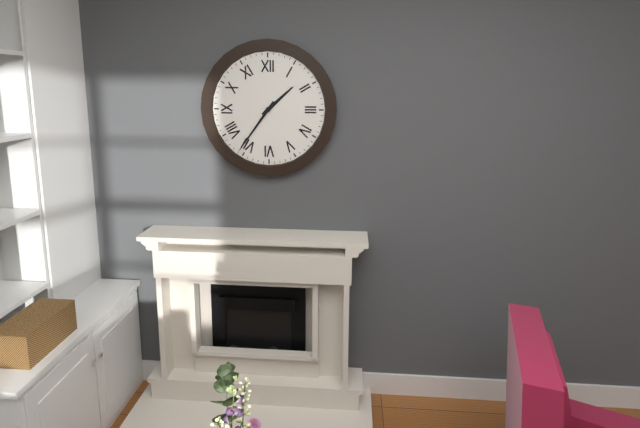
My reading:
1 h 36 min
